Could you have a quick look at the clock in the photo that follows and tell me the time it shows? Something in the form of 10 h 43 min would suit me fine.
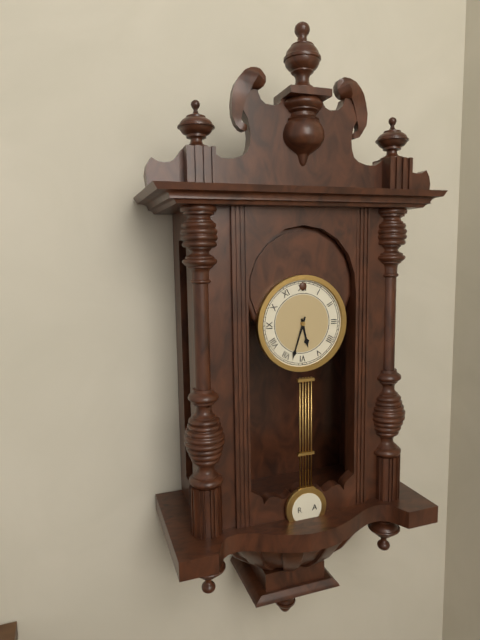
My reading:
5 h 33 min
